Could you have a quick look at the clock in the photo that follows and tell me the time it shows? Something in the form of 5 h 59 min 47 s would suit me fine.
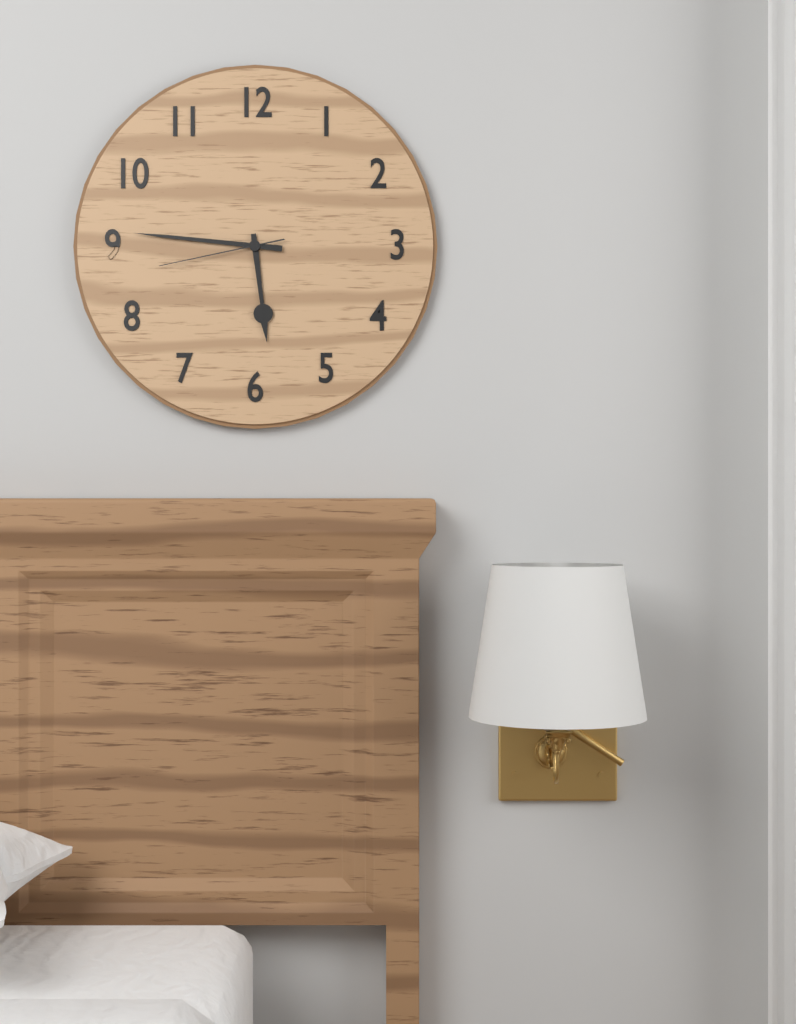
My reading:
5 h 46 min 43 s
